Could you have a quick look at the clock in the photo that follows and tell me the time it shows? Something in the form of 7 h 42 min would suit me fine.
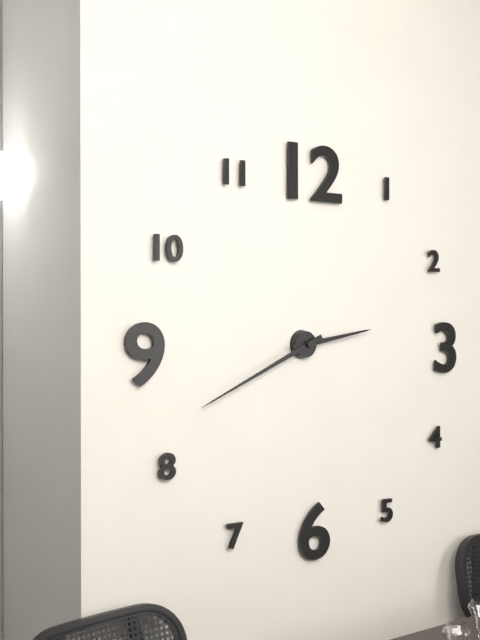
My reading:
2 h 41 min
